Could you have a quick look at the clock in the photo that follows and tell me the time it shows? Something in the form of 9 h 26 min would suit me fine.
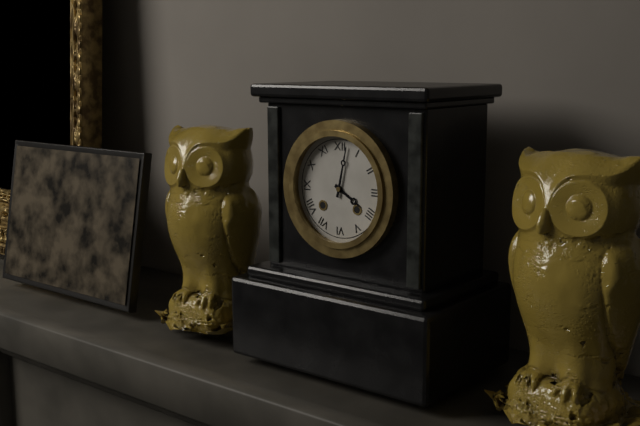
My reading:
4 h 02 min
